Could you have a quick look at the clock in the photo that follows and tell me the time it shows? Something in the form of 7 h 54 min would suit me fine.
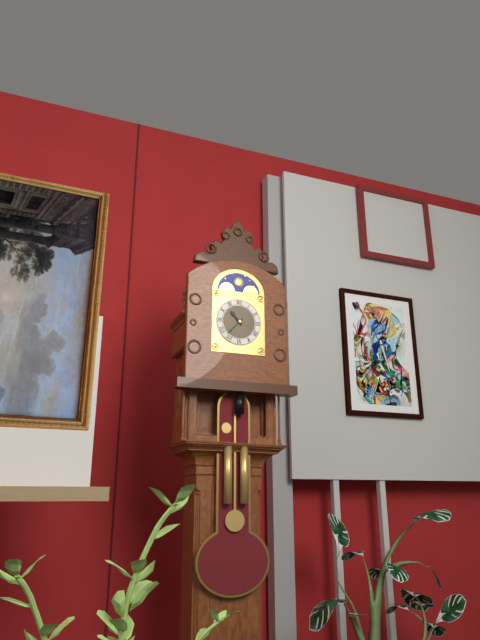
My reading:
10 h 37 min
